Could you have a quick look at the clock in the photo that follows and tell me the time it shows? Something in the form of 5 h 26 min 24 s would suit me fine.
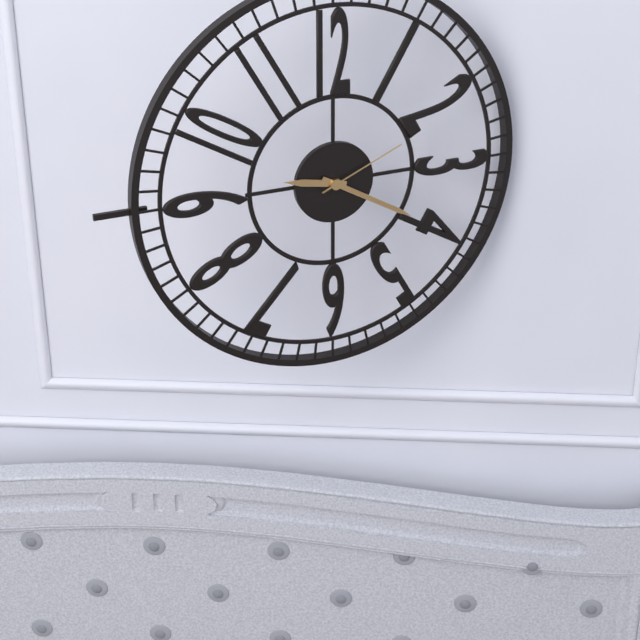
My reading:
9 h 20 min 11 s
